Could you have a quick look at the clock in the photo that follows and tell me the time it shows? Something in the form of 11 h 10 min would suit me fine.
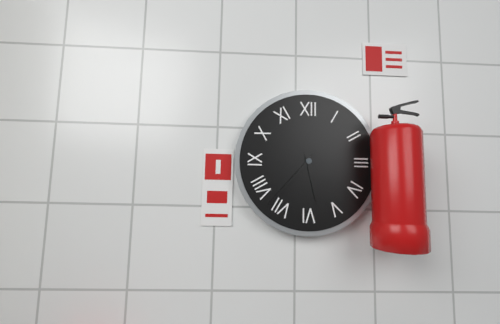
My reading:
5 h 37 min
